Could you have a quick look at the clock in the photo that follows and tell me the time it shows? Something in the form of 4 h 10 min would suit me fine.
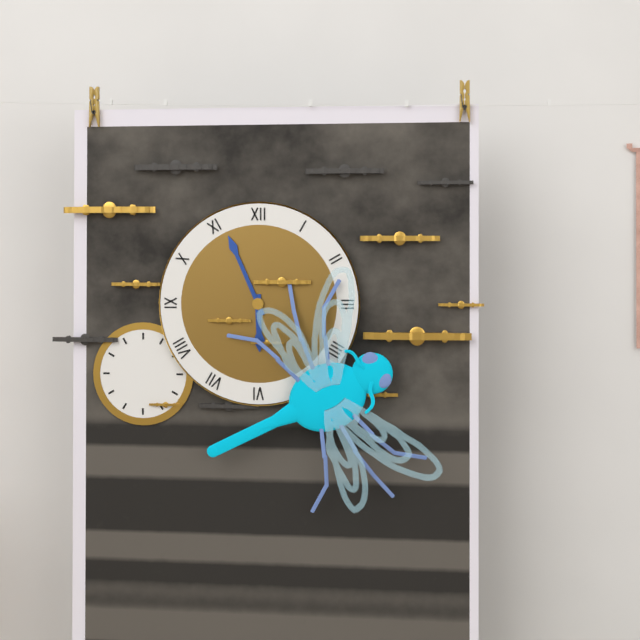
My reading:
5 h 56 min
